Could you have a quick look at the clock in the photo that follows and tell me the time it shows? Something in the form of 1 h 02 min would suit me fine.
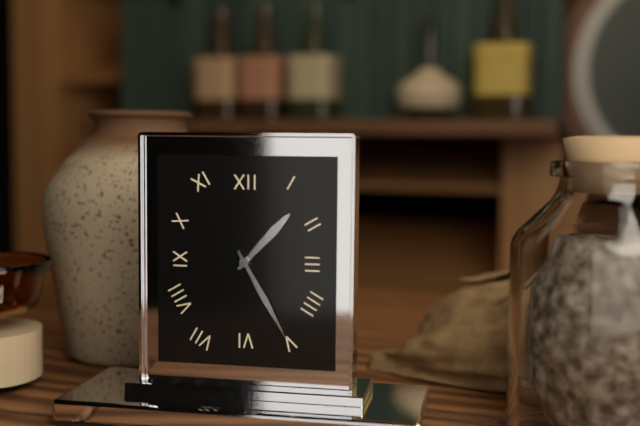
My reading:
1 h 25 min
